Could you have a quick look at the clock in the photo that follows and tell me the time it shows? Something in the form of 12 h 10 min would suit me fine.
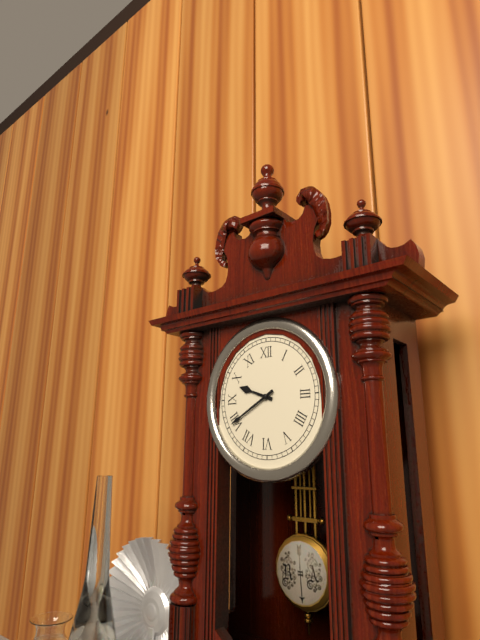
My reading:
9 h 40 min
